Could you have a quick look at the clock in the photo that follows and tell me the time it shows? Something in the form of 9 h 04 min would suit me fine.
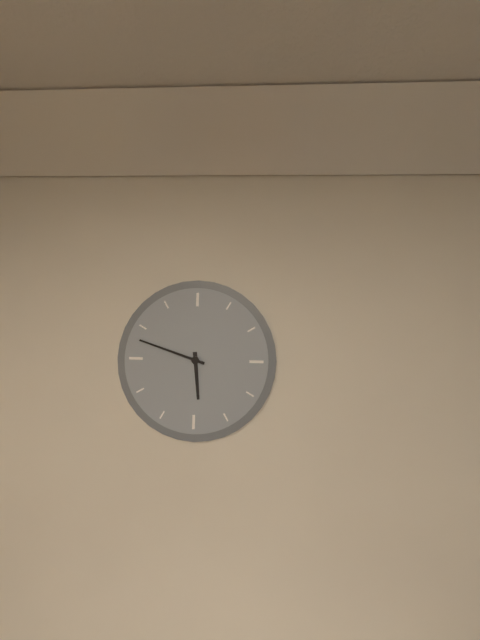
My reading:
5 h 48 min
